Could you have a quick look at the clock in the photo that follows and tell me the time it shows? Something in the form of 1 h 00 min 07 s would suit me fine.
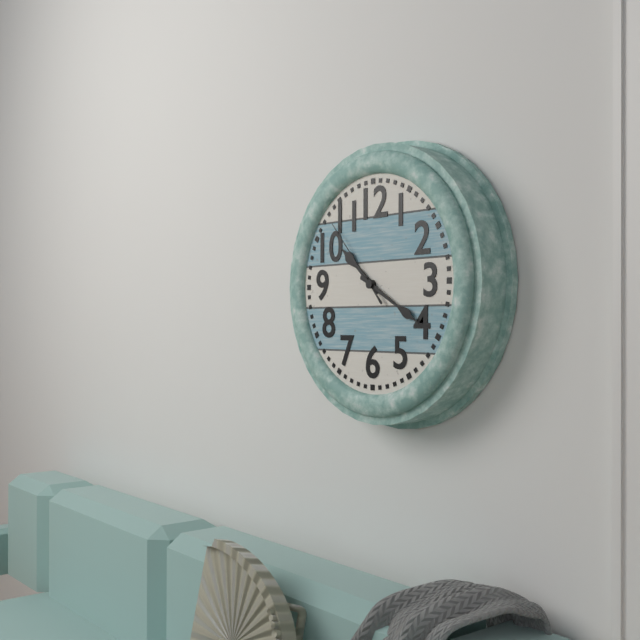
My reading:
10 h 20 min 53 s
